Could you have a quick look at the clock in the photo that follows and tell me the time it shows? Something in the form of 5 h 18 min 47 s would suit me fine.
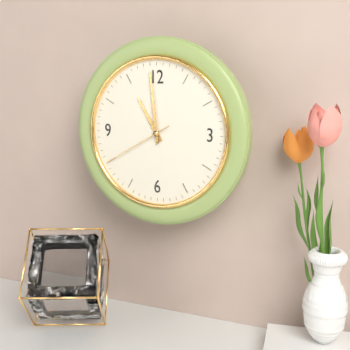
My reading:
10 h 59 min 40 s
